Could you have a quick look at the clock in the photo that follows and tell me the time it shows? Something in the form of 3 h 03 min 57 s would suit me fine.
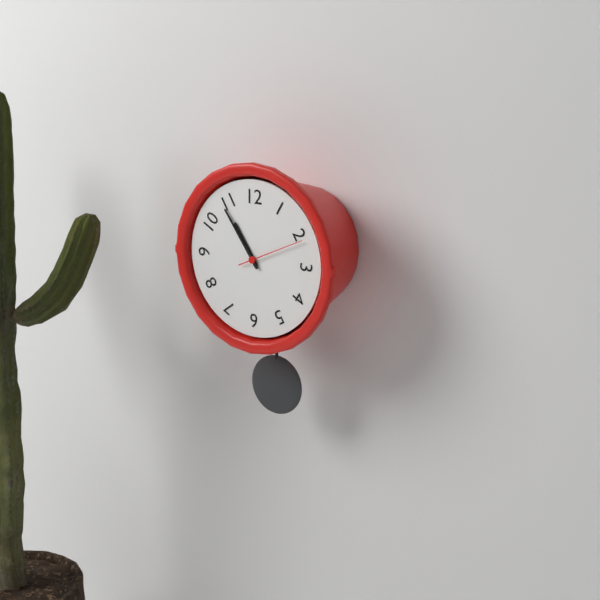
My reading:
10 h 54 min 11 s
